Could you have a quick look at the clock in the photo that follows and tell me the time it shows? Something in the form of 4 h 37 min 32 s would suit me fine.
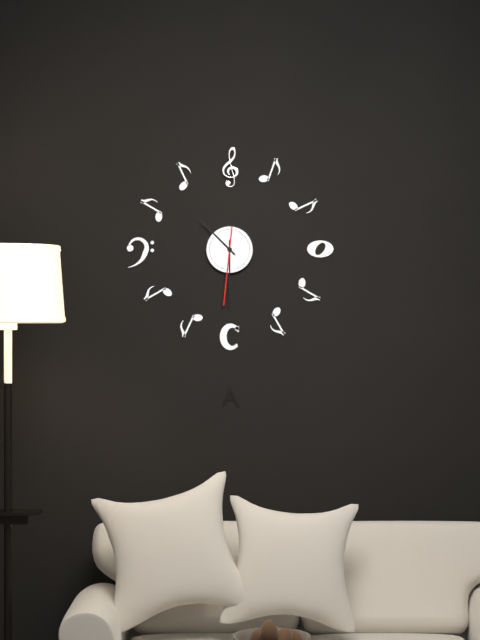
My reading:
10 h 30 min 31 s
